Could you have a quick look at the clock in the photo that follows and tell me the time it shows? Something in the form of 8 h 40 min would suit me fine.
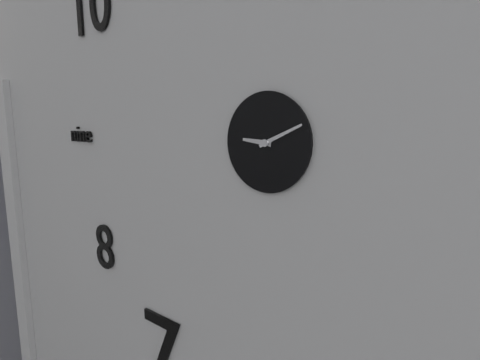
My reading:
9 h 11 min
